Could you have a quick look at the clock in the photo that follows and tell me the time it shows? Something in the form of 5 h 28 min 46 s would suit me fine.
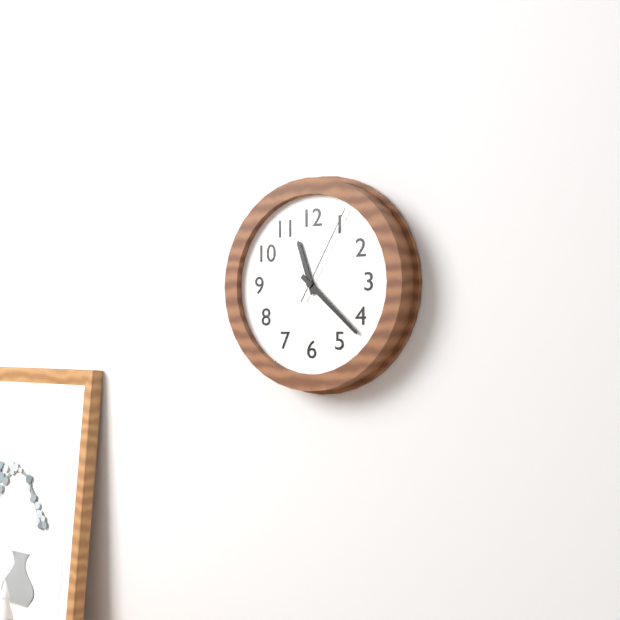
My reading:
11 h 22 min 05 s
